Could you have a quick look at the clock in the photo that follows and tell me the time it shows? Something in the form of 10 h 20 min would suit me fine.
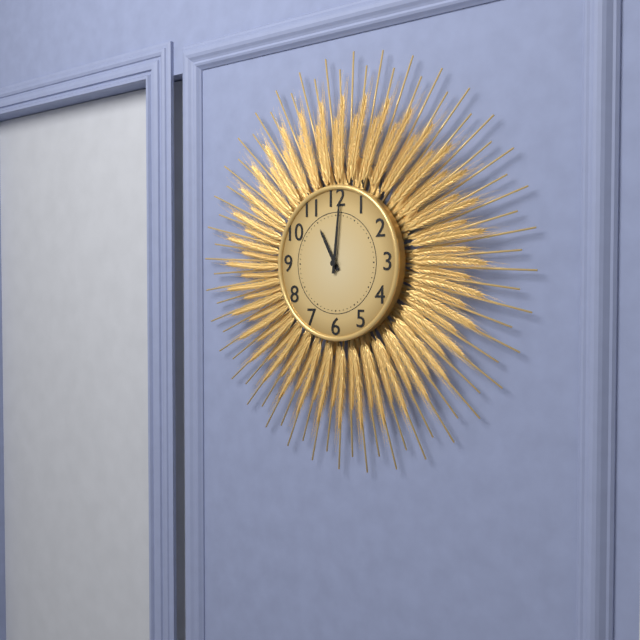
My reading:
11 h 01 min
